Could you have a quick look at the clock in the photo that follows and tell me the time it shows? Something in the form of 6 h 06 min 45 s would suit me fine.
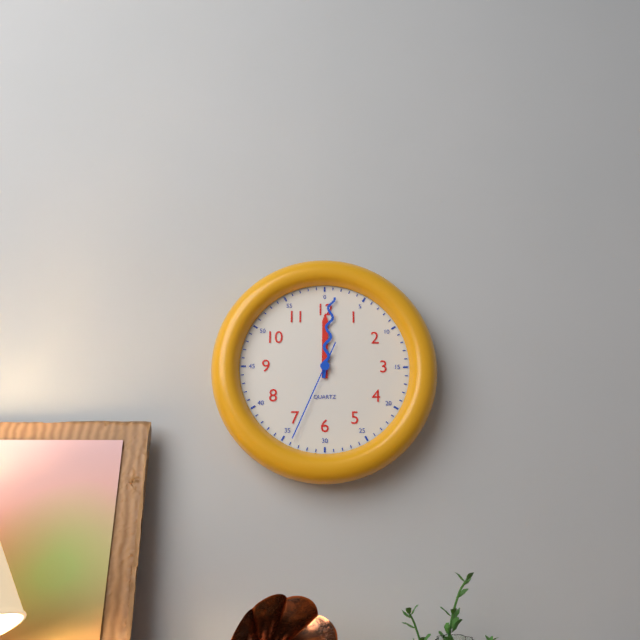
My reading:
12 h 01 min 34 s
